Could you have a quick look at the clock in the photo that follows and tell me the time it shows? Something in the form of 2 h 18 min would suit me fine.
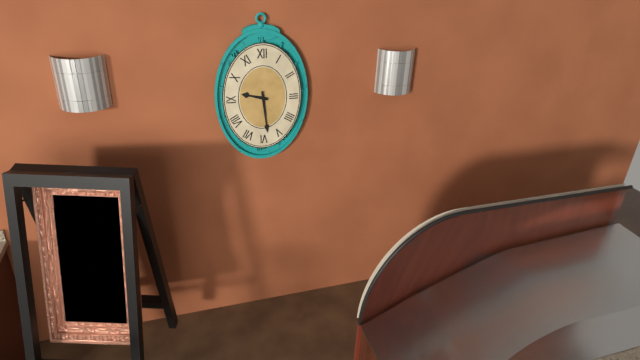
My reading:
9 h 29 min
